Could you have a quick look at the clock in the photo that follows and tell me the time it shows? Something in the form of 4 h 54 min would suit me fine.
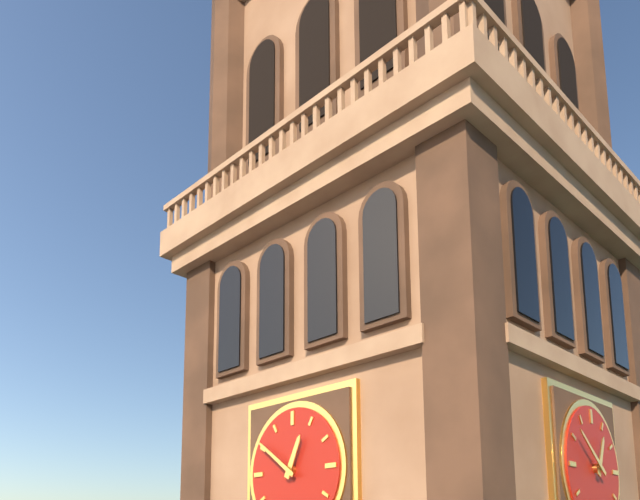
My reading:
12 h 51 min
